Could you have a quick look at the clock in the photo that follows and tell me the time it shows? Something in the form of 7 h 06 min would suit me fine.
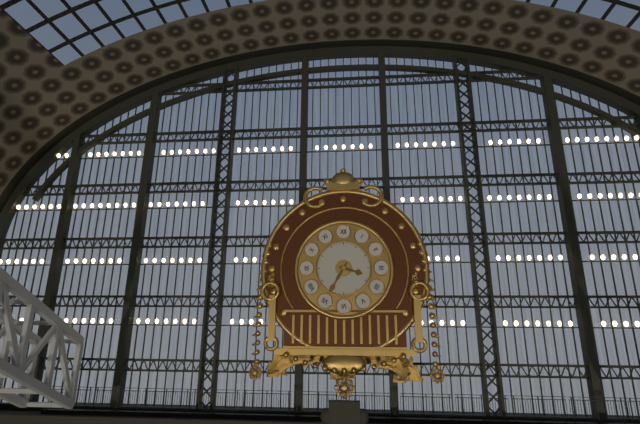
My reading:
3 h 35 min
